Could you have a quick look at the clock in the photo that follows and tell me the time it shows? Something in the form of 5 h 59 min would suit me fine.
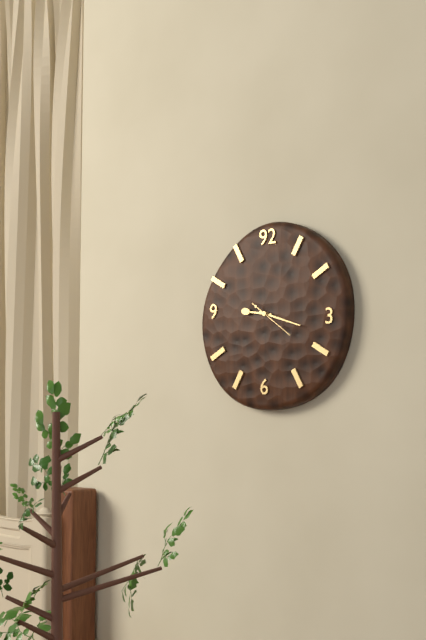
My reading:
9 h 18 min
